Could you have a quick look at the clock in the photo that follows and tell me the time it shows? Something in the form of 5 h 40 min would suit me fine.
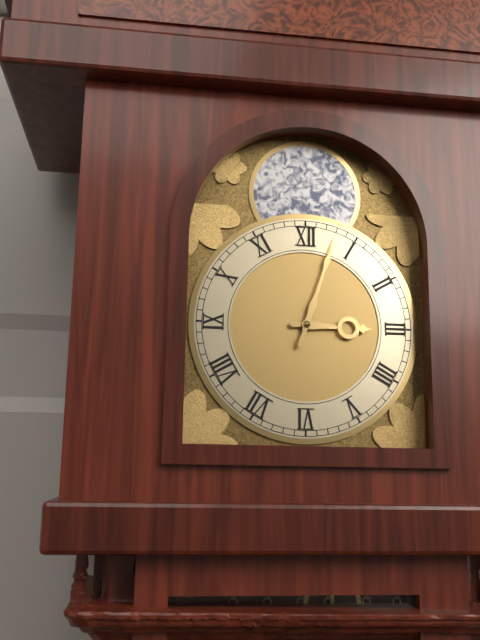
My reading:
3 h 03 min
